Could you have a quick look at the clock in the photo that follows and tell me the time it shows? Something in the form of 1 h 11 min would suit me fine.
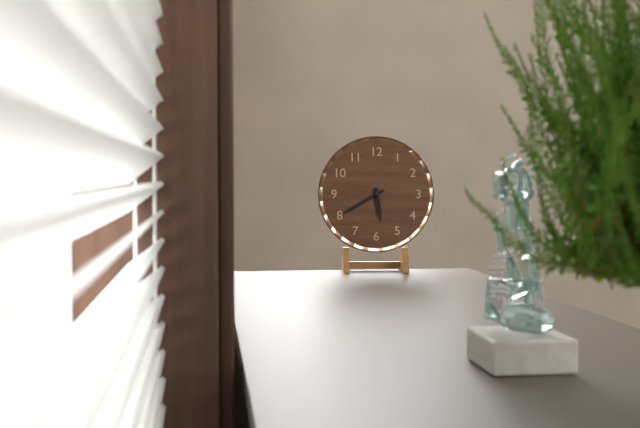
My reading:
5 h 40 min
